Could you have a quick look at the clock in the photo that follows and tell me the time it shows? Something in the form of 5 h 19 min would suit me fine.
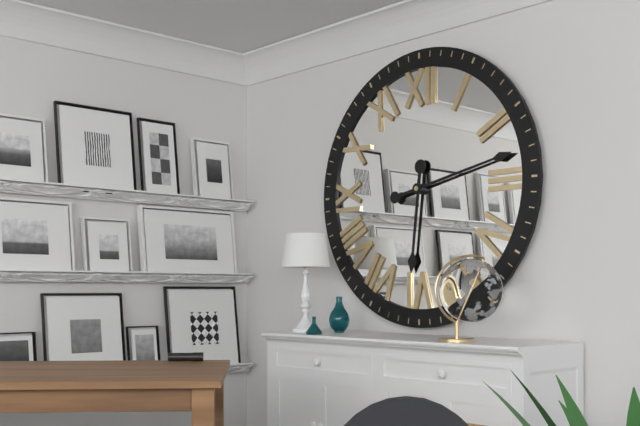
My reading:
6 h 13 min
